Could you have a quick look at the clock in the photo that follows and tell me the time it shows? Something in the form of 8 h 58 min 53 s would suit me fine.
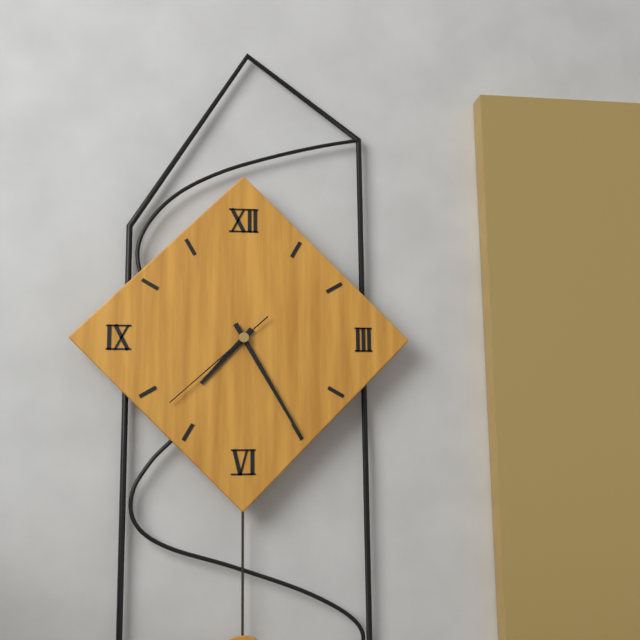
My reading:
7 h 25 min 38 s
